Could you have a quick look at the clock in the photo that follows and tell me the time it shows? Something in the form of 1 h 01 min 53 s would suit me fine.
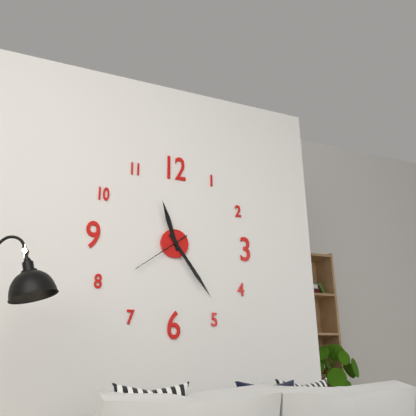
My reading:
11 h 24 min 39 s
